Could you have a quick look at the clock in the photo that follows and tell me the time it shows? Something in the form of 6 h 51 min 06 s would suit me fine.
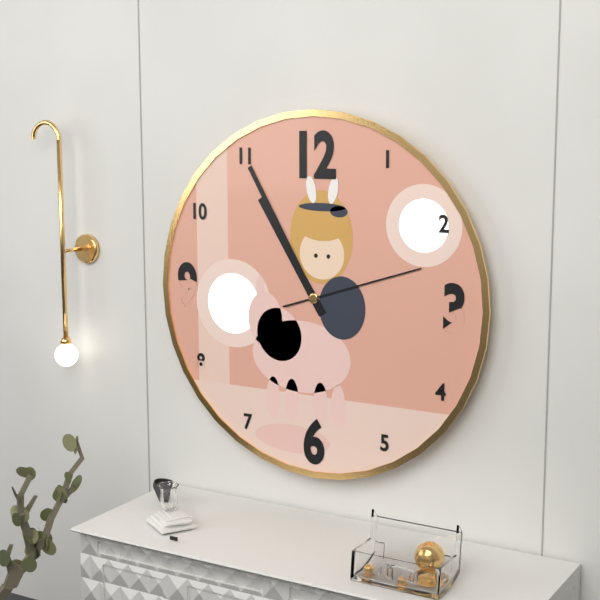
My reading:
10 h 55 min 12 s
